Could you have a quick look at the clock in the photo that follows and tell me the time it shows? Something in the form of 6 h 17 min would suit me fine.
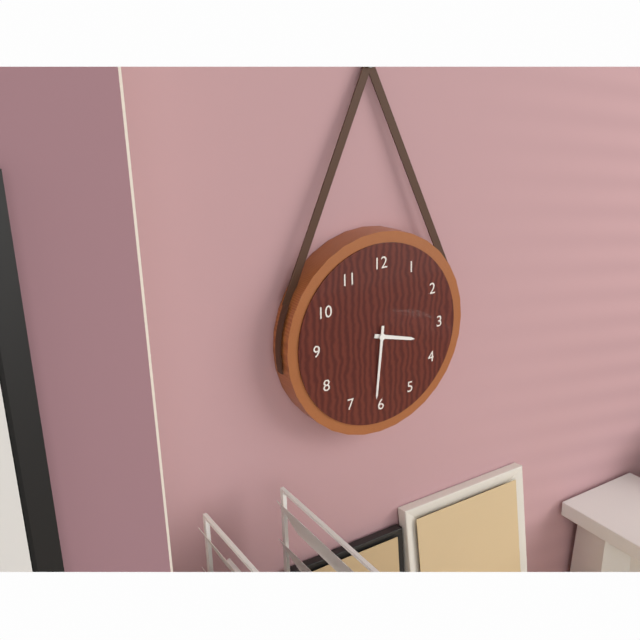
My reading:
3 h 31 min
